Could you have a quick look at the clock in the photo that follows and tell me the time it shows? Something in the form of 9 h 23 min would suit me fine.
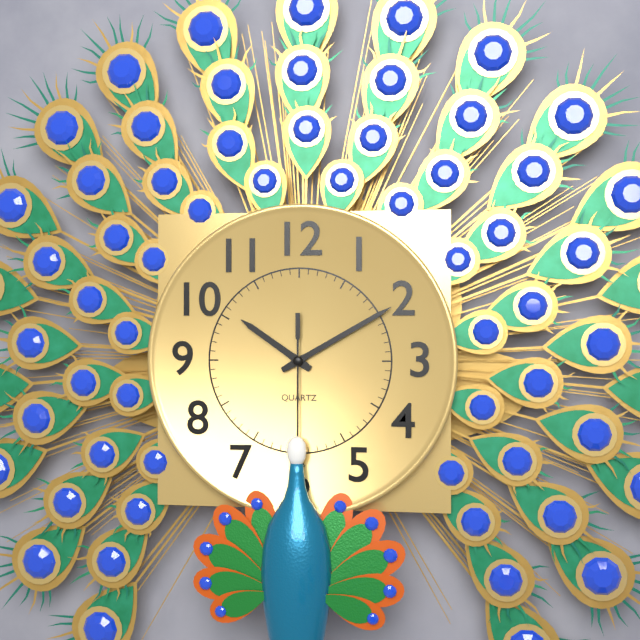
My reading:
10 h 10 min
